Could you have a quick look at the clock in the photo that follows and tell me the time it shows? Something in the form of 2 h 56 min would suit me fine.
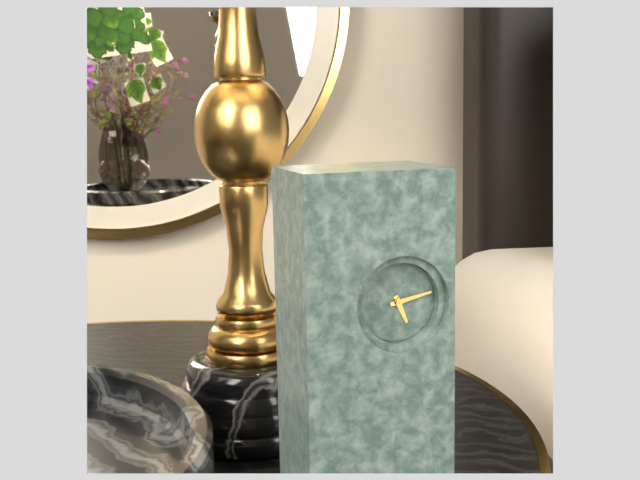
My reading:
5 h 13 min
